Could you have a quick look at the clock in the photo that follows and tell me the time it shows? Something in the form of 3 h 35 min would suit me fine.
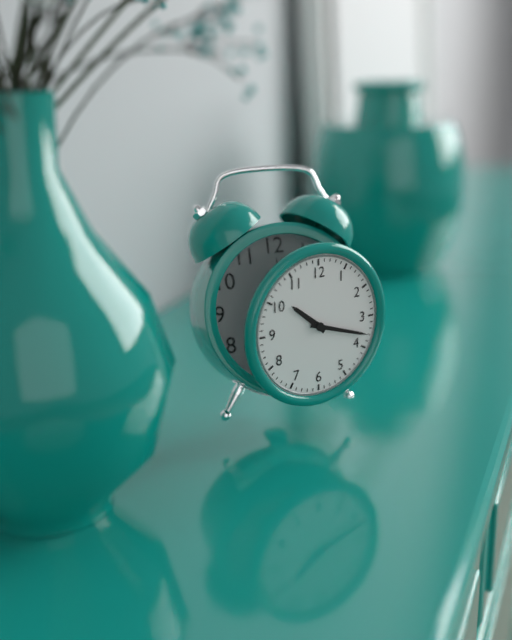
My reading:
10 h 18 min
